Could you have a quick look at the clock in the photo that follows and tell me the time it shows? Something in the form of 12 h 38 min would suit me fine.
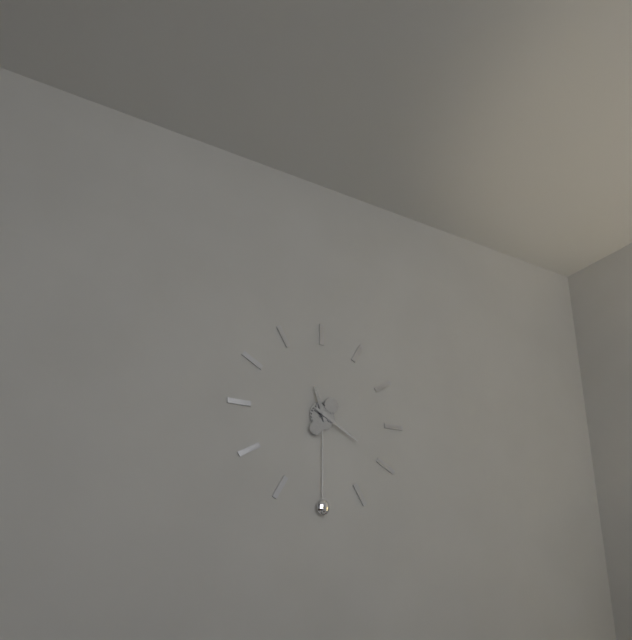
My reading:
11 h 20 min
